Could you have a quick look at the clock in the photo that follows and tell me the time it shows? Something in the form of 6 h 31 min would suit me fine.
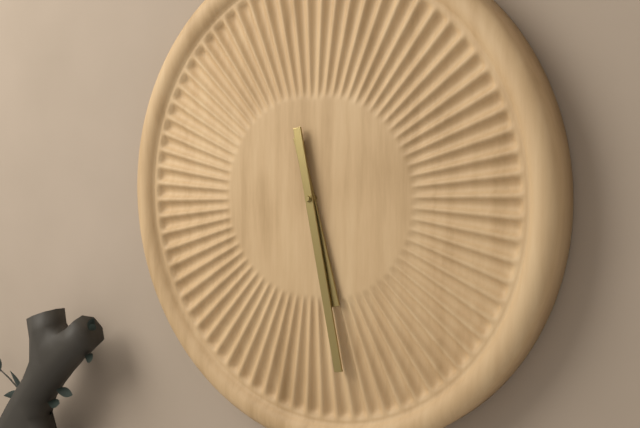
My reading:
5 h 28 min
